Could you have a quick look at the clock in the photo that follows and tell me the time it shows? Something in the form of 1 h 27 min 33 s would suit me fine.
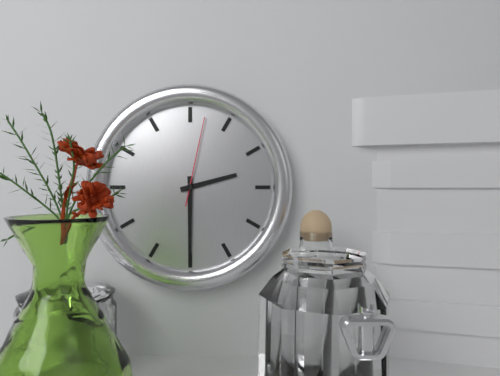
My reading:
2 h 30 min 02 s
